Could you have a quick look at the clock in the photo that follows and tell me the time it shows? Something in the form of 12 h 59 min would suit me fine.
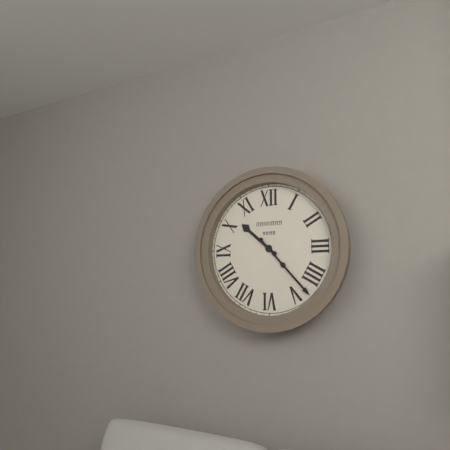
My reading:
10 h 23 min
